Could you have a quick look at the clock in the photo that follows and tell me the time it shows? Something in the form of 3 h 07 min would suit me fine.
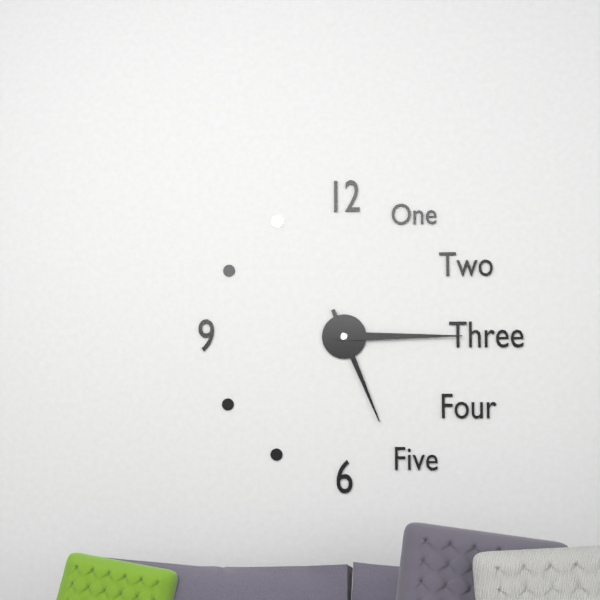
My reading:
5 h 15 min
